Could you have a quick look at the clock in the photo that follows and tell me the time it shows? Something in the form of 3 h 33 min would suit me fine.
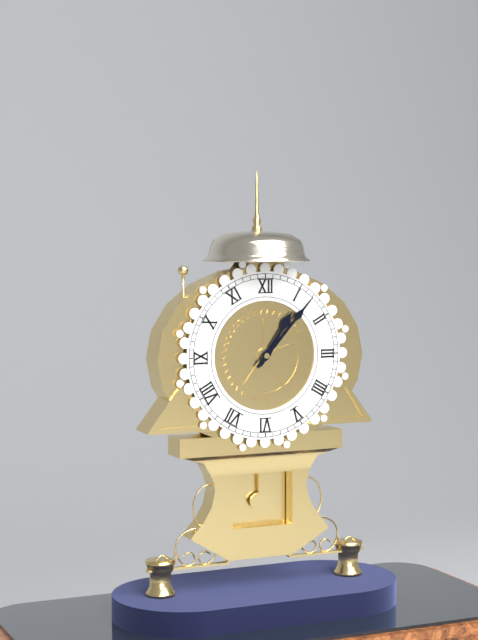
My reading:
1 h 07 min
